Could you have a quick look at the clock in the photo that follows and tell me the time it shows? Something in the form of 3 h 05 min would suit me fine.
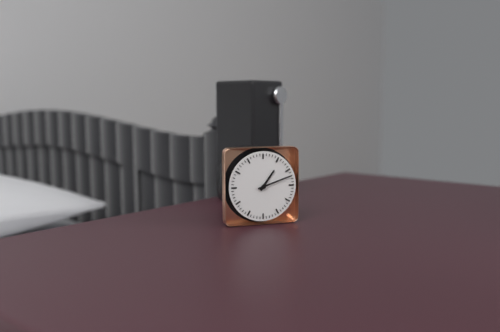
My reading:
1 h 12 min
